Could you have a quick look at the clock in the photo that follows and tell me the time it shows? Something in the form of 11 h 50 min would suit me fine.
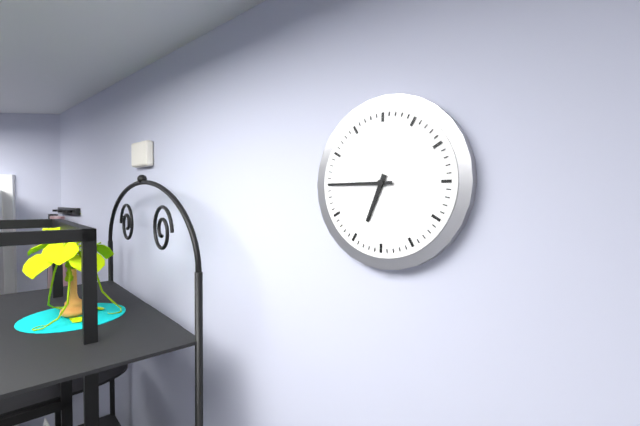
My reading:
6 h 45 min
